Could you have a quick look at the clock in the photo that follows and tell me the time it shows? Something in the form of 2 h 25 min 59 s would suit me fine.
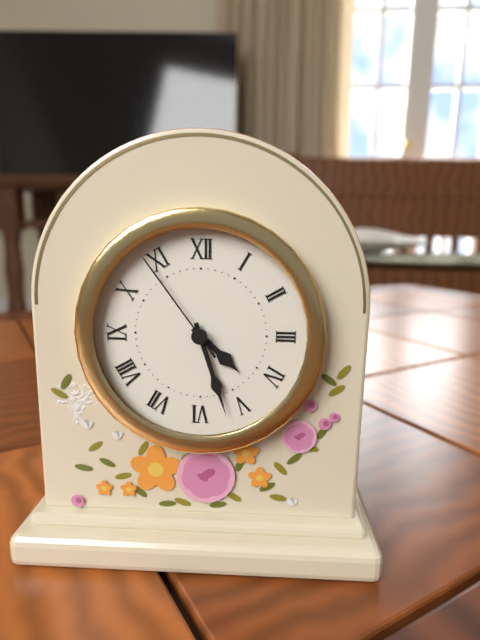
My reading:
4 h 27 min 54 s
